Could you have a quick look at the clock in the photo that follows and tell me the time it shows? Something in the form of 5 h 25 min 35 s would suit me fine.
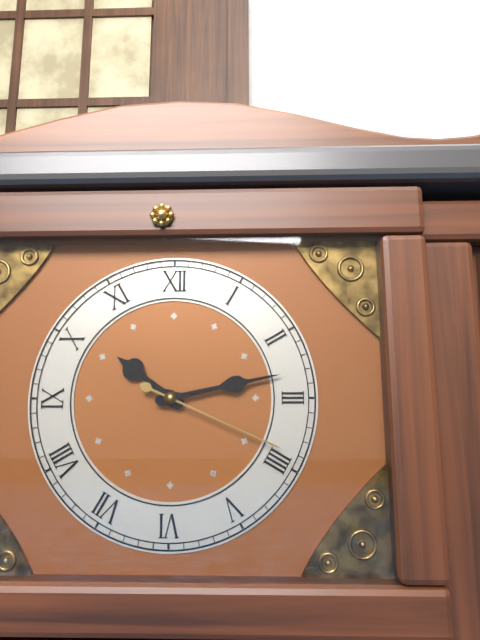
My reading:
10 h 13 min 19 s
